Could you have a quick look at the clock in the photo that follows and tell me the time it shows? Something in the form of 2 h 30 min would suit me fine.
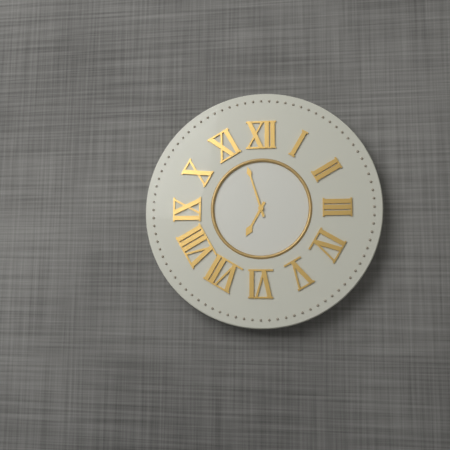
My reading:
6 h 57 min
